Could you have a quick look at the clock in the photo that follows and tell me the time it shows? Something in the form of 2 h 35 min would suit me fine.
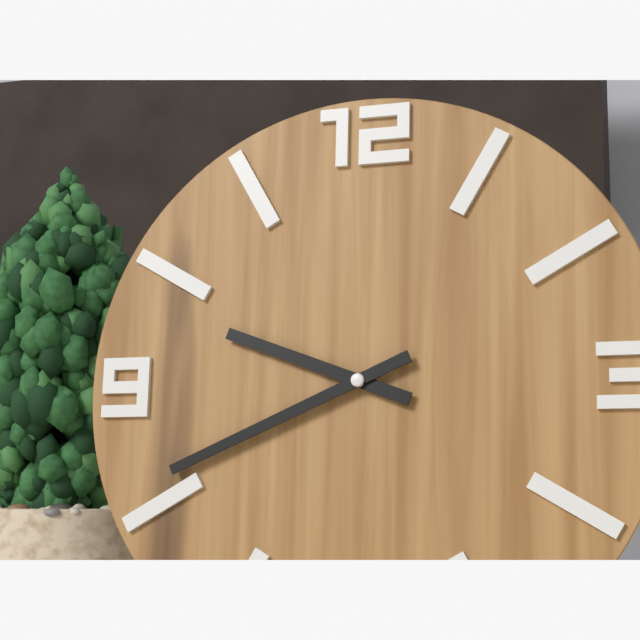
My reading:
9 h 41 min
